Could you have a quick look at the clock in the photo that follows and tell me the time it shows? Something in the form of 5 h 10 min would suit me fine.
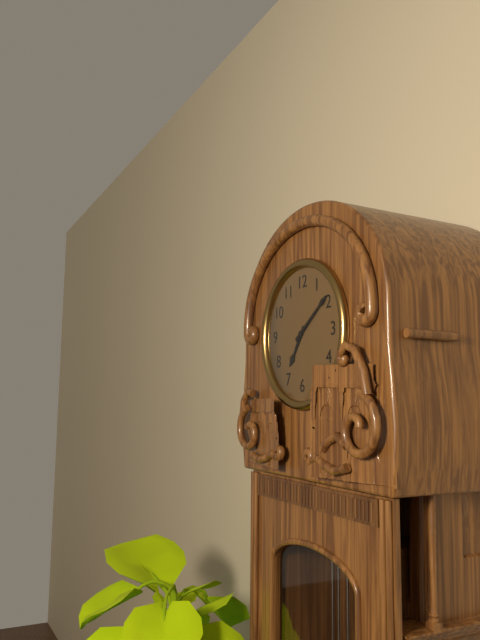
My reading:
7 h 09 min
